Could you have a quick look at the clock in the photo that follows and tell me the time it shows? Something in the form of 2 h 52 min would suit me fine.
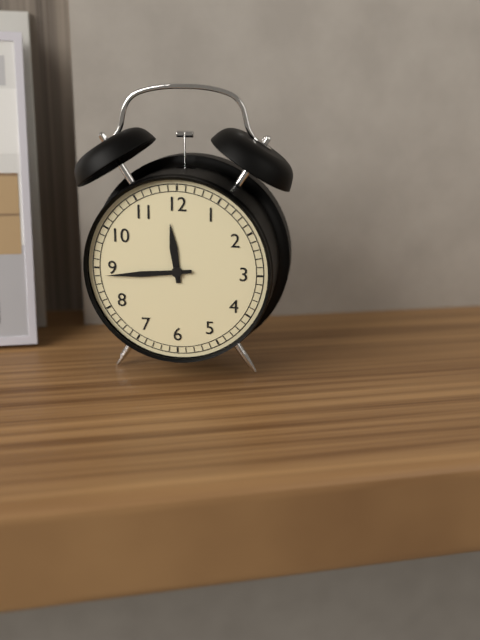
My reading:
11 h 44 min
